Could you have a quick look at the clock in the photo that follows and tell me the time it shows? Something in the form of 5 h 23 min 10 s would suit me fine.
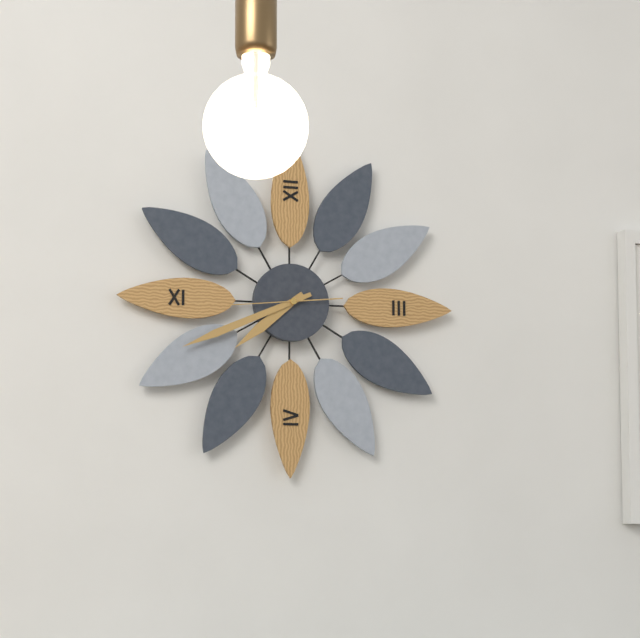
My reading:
7 h 41 min 44 s
